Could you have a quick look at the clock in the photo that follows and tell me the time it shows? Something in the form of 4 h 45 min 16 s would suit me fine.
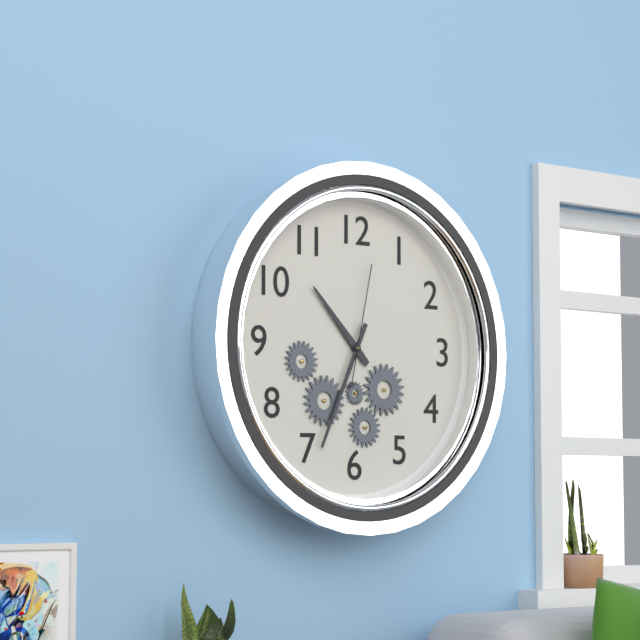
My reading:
10 h 34 min 02 s
